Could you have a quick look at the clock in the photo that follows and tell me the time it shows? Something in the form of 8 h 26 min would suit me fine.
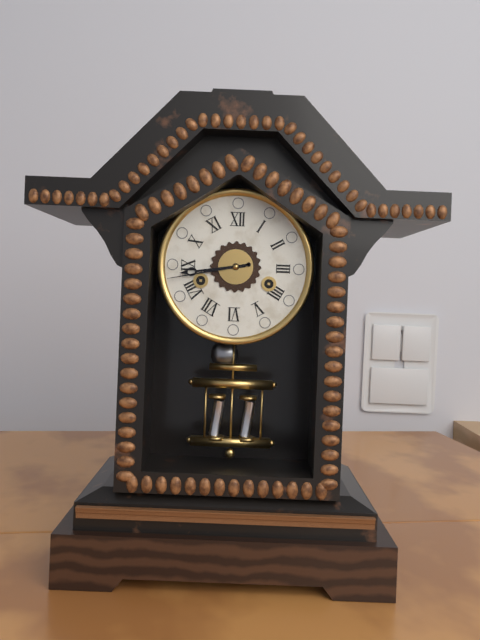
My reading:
8 h 43 min
